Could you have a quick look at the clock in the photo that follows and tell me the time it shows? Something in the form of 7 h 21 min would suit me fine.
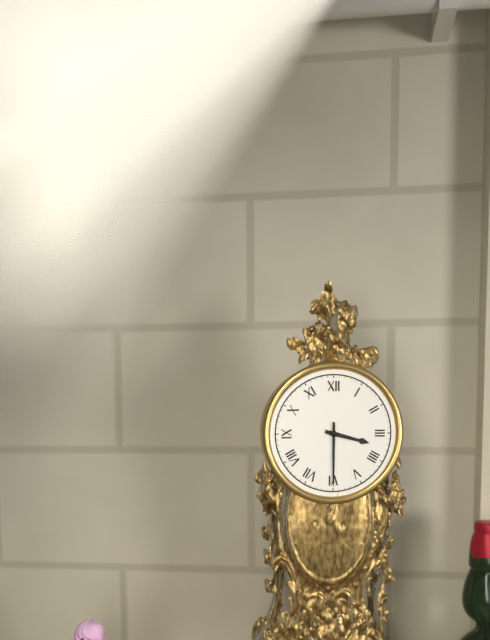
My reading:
3 h 30 min
